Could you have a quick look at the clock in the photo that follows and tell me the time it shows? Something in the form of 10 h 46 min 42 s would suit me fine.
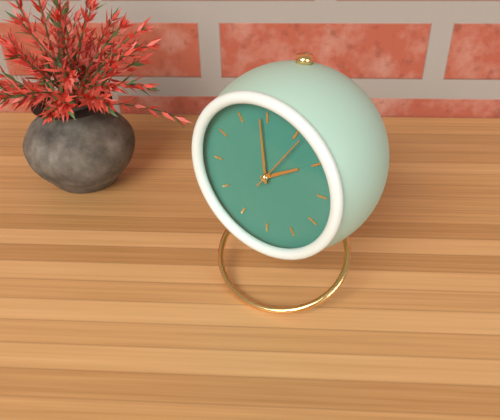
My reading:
1 h 59 min 06 s
